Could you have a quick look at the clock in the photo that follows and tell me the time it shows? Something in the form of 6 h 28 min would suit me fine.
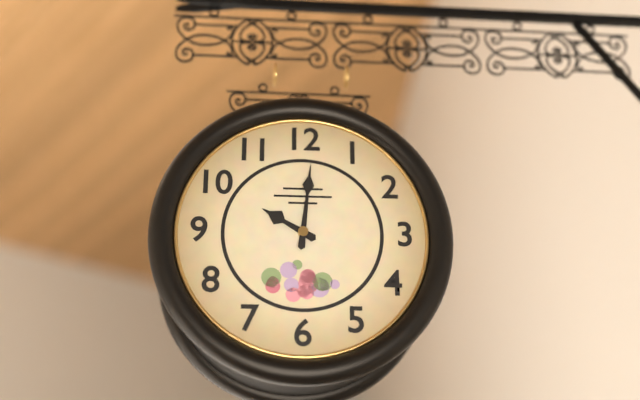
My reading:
10 h 01 min
